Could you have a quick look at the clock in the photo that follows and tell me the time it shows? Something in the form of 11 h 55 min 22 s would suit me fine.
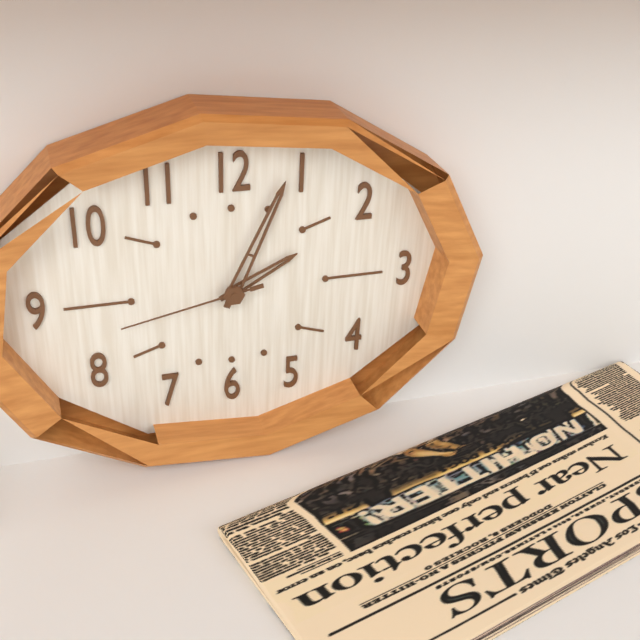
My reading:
2 h 04 min 43 s
